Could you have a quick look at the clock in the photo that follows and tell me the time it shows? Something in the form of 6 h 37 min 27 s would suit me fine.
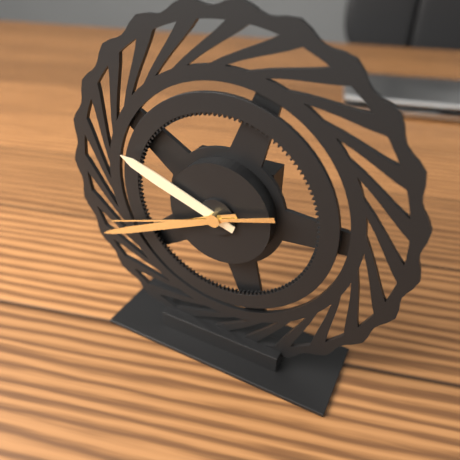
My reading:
9 h 41 min 42 s
